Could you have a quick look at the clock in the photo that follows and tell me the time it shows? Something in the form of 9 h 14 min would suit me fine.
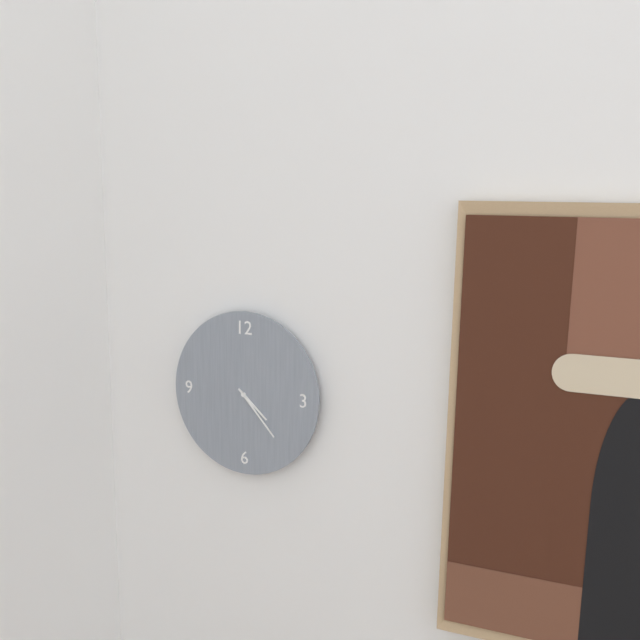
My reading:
4 h 23 min
